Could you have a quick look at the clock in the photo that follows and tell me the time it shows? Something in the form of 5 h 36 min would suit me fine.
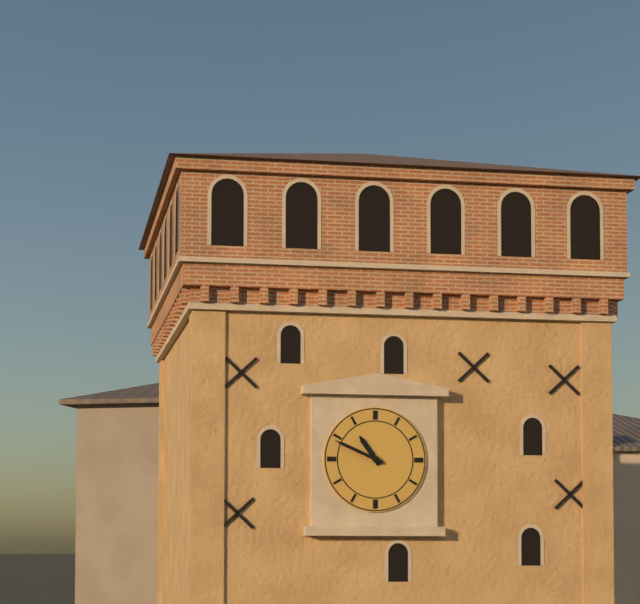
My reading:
10 h 49 min
